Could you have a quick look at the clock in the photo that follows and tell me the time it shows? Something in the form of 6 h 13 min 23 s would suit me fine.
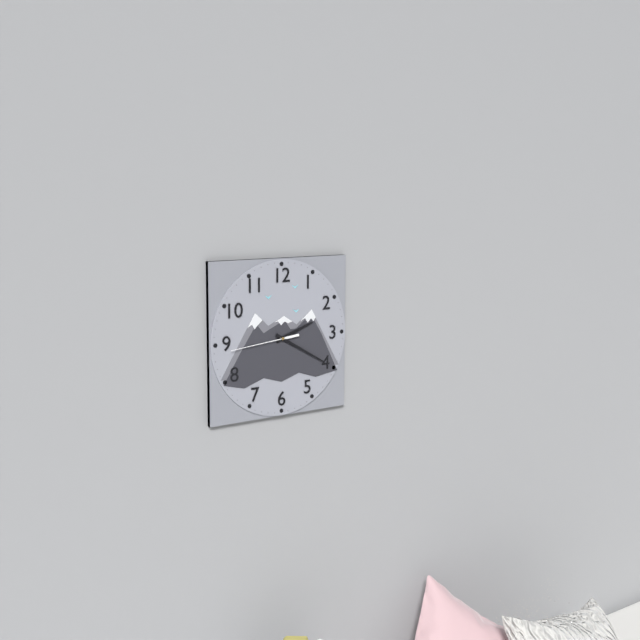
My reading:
2 h 20 min 44 s
